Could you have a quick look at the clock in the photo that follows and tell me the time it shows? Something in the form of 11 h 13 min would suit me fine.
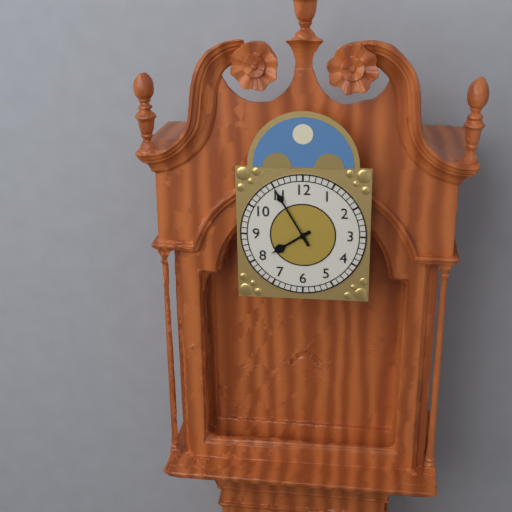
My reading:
7 h 55 min
